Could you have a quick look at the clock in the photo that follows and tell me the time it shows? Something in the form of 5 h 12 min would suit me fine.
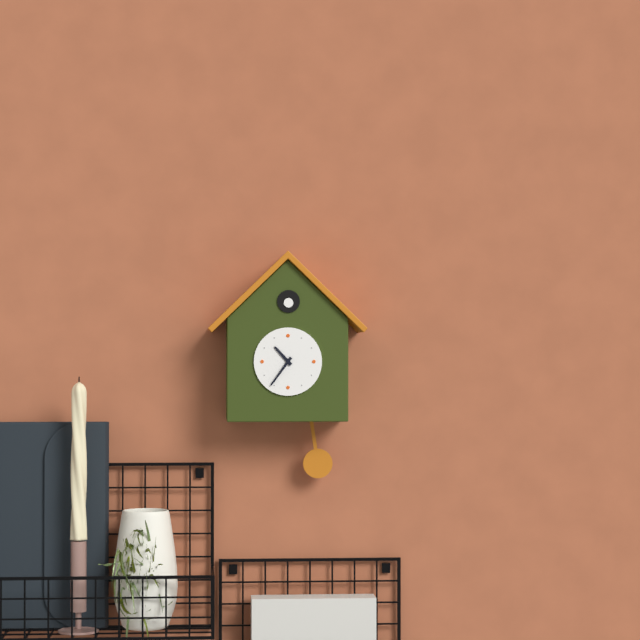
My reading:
10 h 36 min
